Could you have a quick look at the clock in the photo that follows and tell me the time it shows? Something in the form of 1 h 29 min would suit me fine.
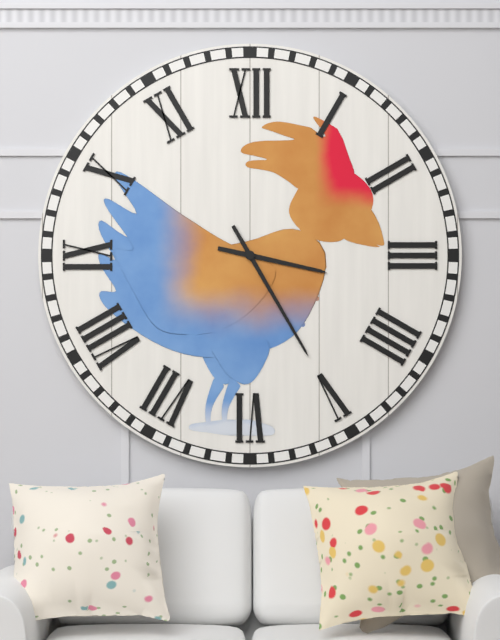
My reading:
3 h 25 min
